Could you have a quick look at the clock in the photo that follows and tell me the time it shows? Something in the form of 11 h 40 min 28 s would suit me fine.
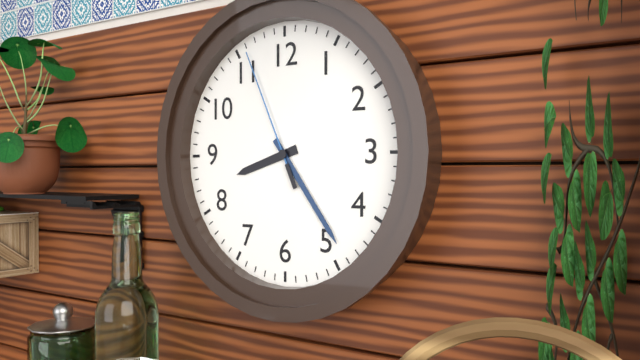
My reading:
8 h 24 min 56 s
